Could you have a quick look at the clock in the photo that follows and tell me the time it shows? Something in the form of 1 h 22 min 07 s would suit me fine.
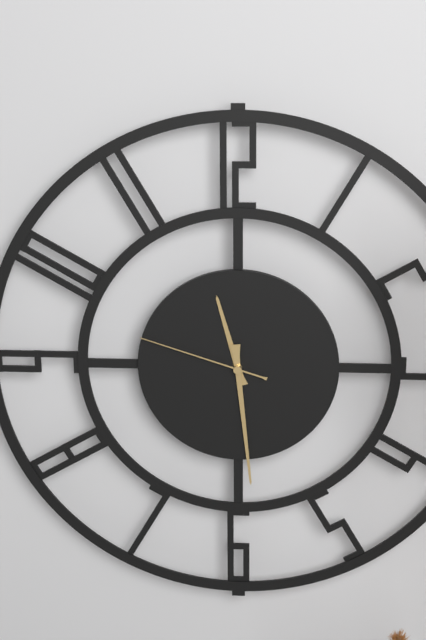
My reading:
11 h 29 min 48 s
